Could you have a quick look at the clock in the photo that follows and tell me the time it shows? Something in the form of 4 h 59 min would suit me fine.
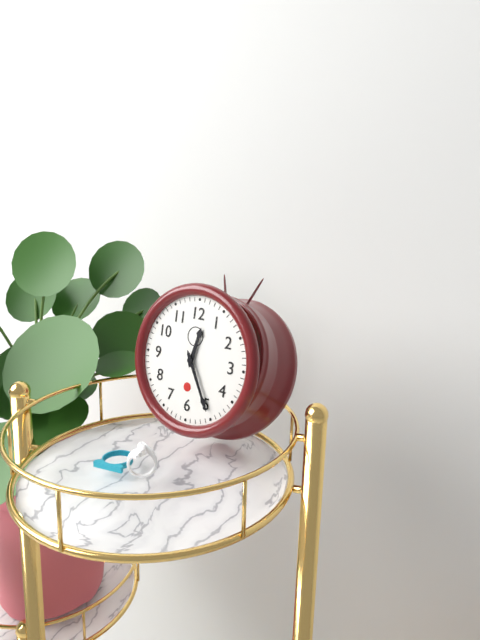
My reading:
12 h 25 min
